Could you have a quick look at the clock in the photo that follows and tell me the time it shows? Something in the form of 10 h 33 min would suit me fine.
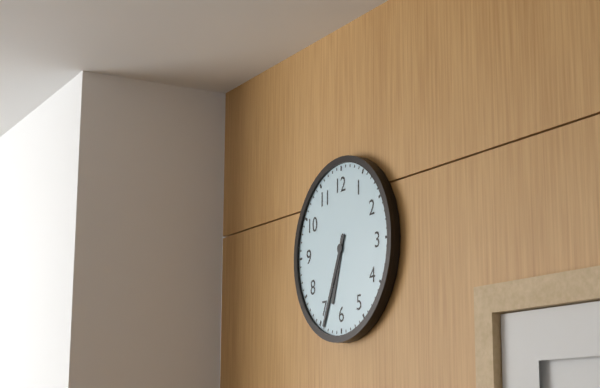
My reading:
6 h 34 min
